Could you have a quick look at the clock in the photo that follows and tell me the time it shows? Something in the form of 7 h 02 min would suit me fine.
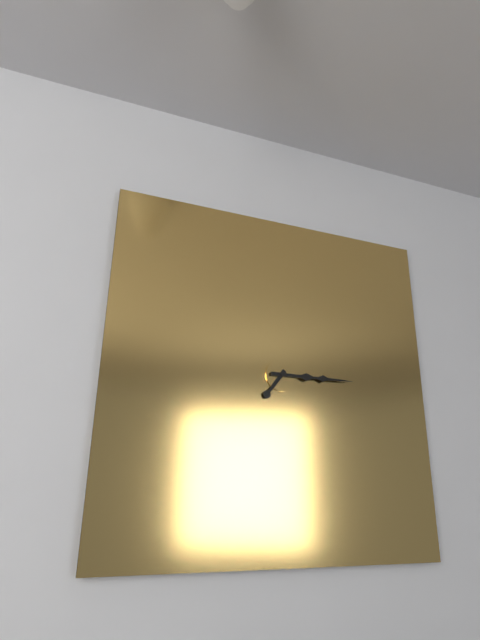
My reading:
7 h 15 min
